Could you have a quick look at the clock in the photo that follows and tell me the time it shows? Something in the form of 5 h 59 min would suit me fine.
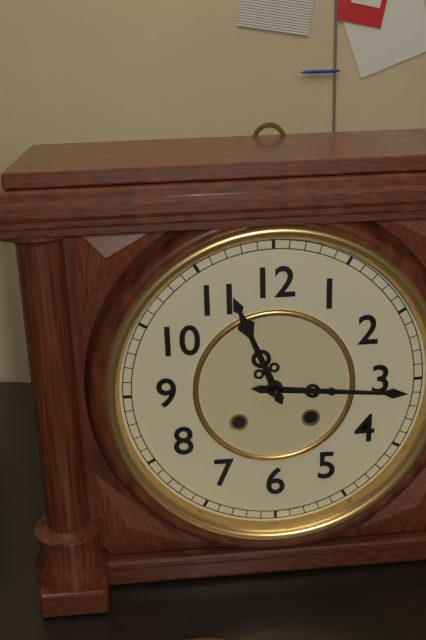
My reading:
11 h 16 min
